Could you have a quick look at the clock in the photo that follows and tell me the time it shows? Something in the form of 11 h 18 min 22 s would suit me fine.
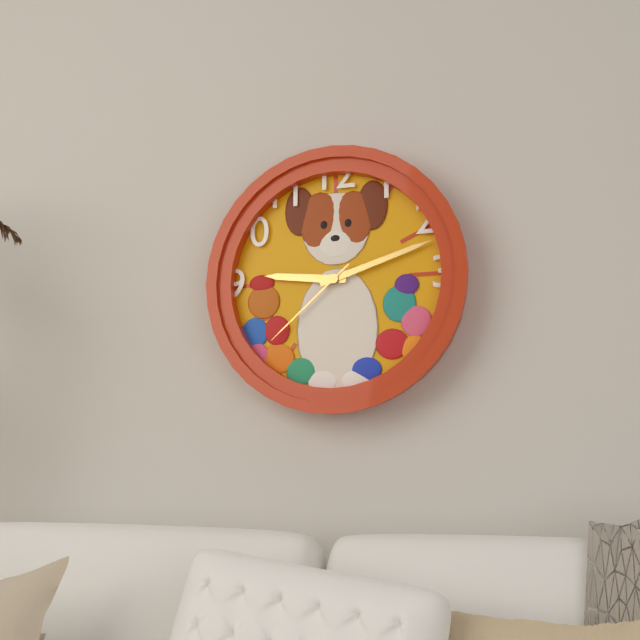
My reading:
9 h 12 min 38 s
